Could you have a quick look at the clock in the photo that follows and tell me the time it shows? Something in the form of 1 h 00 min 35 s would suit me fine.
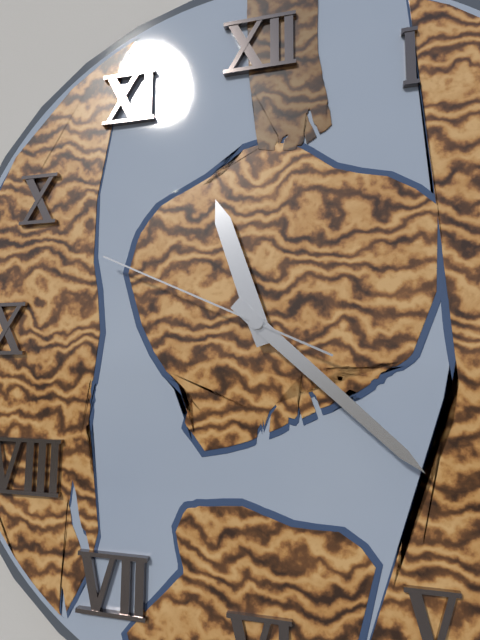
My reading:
11 h 22 min 49 s
